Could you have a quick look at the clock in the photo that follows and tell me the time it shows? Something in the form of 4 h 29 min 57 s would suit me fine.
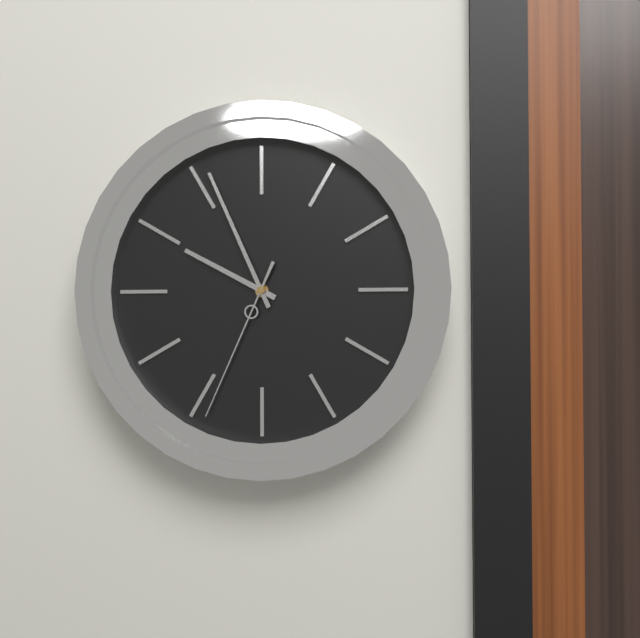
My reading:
9 h 56 min 34 s
